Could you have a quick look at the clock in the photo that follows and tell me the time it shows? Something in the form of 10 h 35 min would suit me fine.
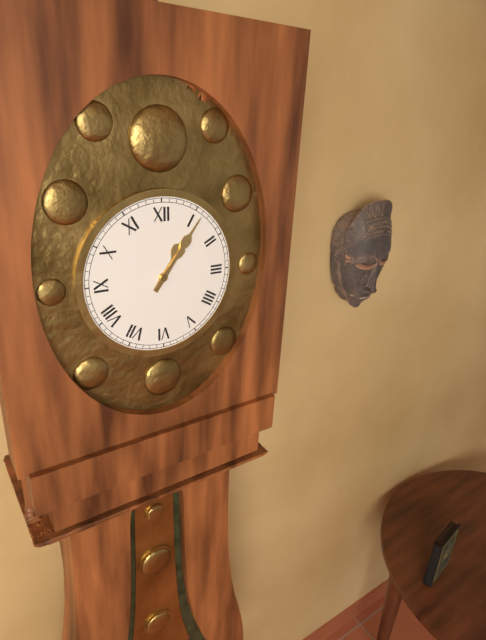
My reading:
1 h 06 min
